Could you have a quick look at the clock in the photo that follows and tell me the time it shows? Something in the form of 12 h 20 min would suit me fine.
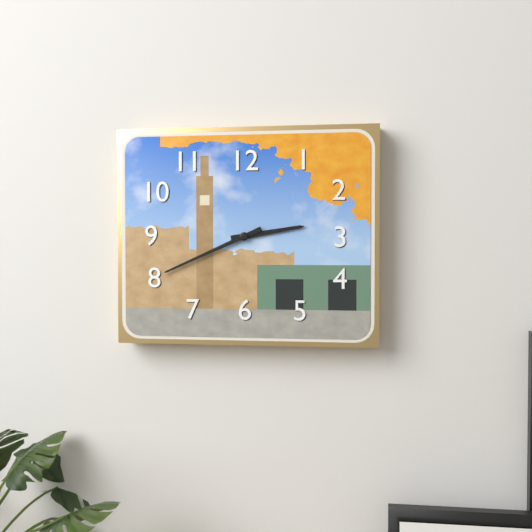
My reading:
2 h 41 min
